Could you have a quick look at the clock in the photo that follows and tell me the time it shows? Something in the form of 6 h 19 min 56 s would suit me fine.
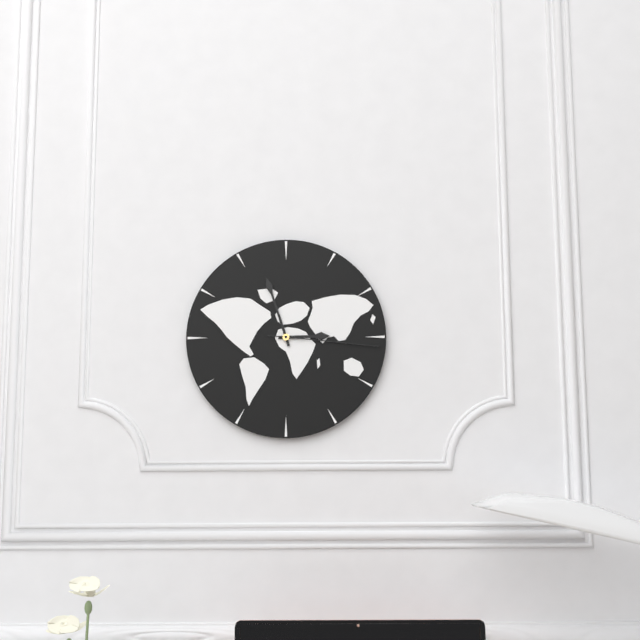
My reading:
2 h 57 min 16 s
